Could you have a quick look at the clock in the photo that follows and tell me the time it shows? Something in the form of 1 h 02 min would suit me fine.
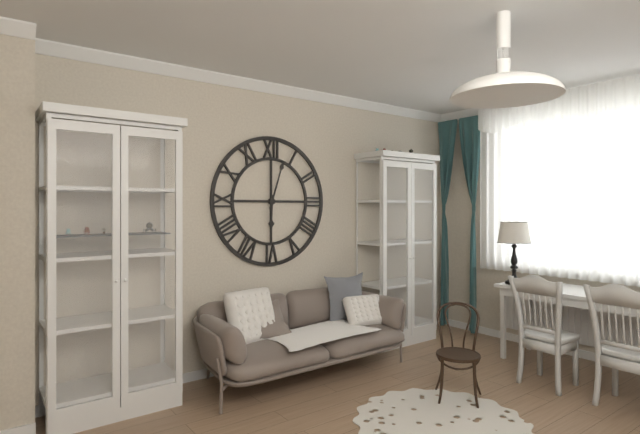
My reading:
6 h 03 min
